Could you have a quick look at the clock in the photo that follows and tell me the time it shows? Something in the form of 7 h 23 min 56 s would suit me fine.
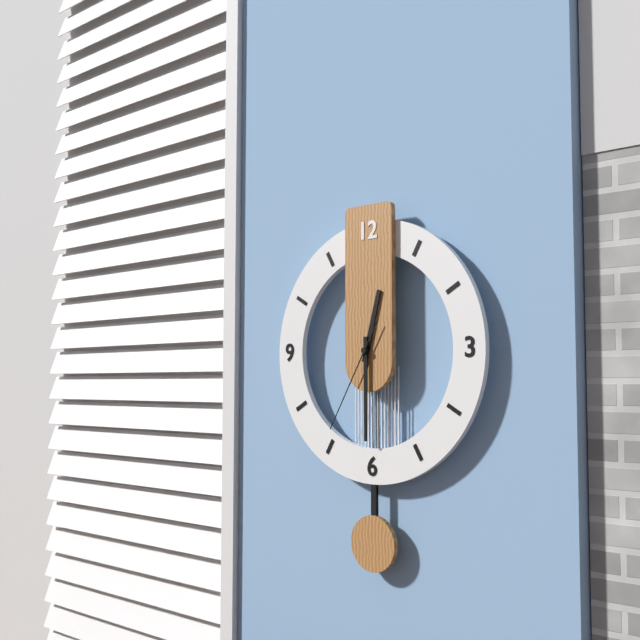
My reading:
12 h 30 min 35 s
